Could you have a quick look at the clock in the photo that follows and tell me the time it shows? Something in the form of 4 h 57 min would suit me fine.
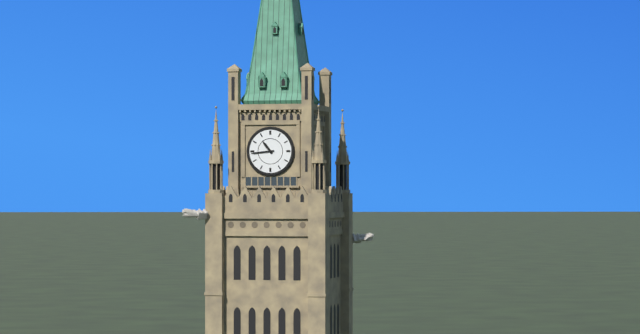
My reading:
10 h 44 min
